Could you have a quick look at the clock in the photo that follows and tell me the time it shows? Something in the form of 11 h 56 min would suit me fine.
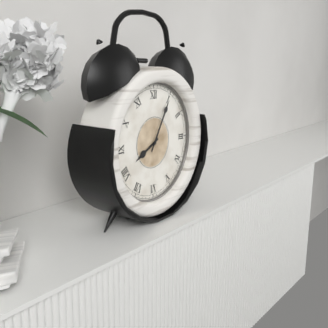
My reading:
8 h 05 min
